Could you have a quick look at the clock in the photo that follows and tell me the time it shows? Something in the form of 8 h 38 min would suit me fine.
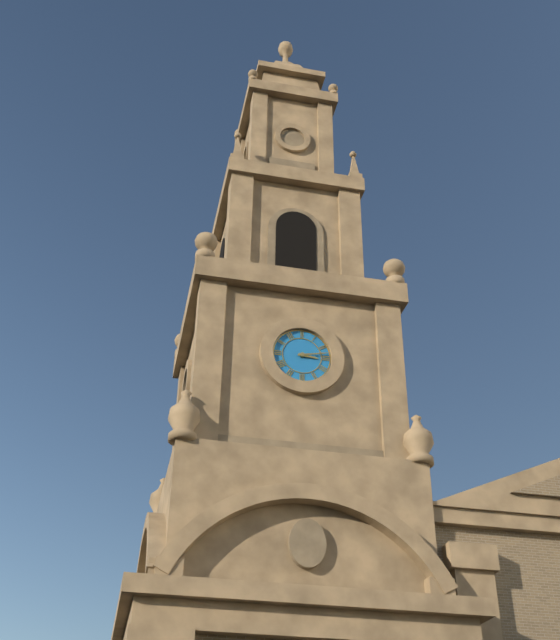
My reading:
3 h 13 min
